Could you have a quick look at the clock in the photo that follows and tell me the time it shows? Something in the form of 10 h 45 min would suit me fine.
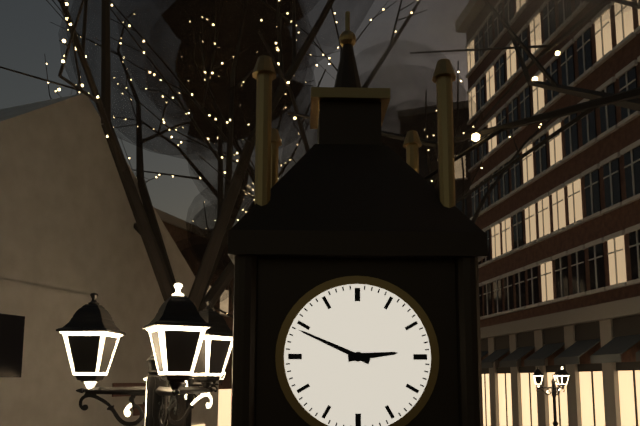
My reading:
2 h 49 min
